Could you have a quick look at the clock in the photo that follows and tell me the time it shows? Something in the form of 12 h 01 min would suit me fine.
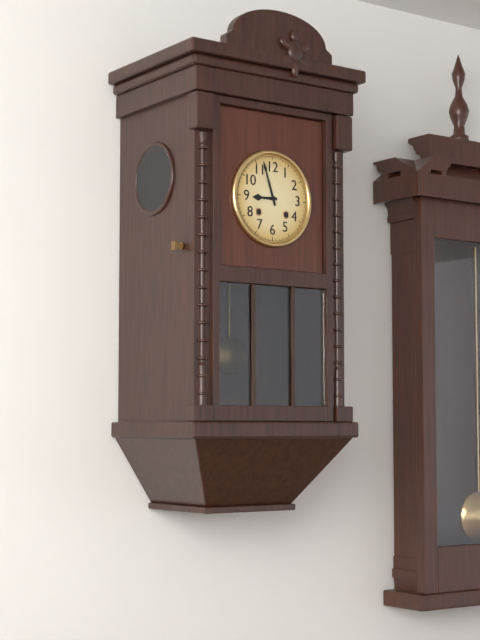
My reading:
8 h 57 min
